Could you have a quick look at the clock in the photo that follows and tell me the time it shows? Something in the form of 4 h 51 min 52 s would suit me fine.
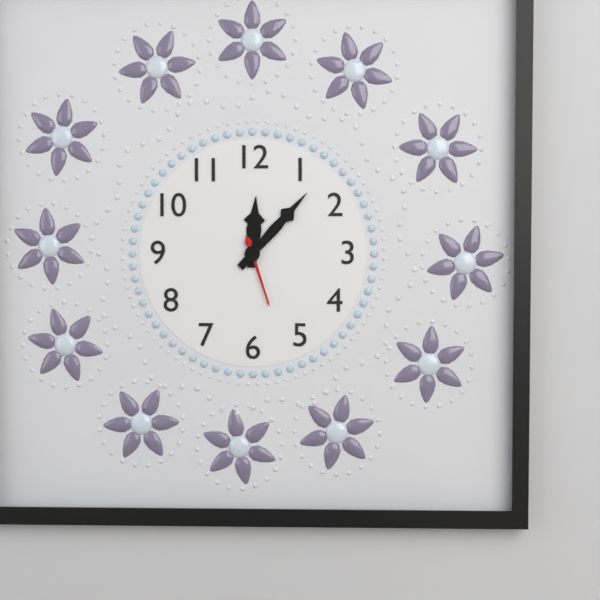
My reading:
12 h 07 min 27 s
